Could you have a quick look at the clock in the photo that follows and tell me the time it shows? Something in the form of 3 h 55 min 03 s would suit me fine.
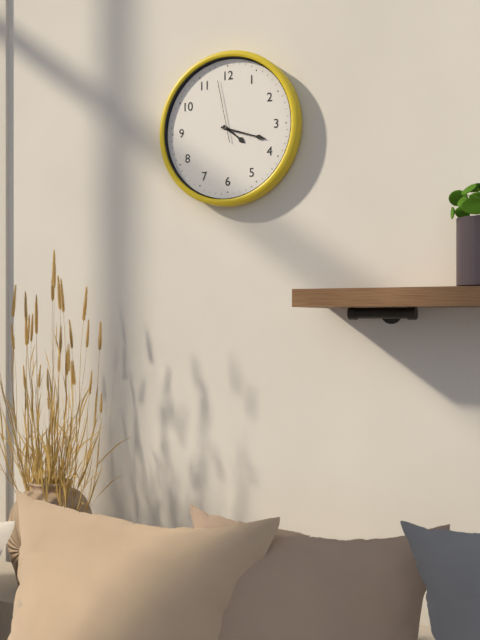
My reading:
4 h 18 min 58 s
